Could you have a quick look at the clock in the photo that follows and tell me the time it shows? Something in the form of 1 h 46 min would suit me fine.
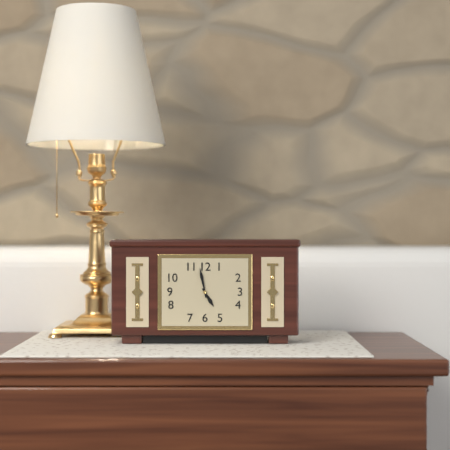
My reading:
4 h 58 min
